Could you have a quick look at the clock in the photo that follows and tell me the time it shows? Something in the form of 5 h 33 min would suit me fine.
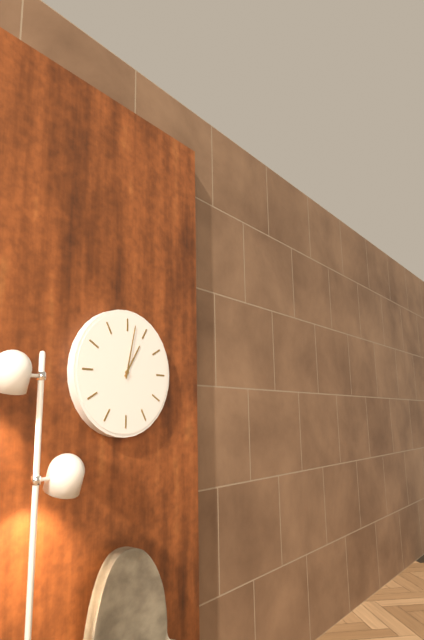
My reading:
1 h 02 min
